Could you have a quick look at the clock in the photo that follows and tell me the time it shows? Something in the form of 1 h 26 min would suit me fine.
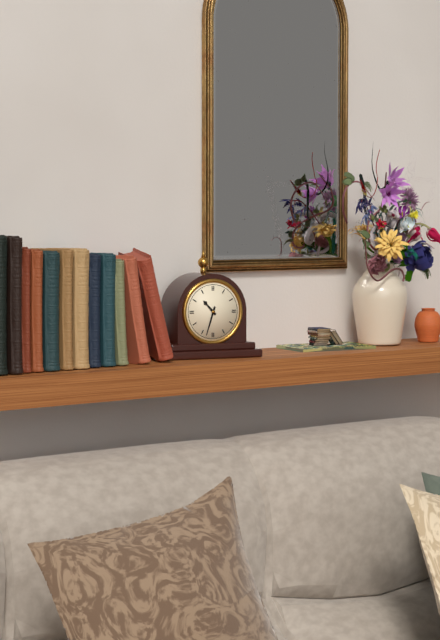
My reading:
10 h 33 min
